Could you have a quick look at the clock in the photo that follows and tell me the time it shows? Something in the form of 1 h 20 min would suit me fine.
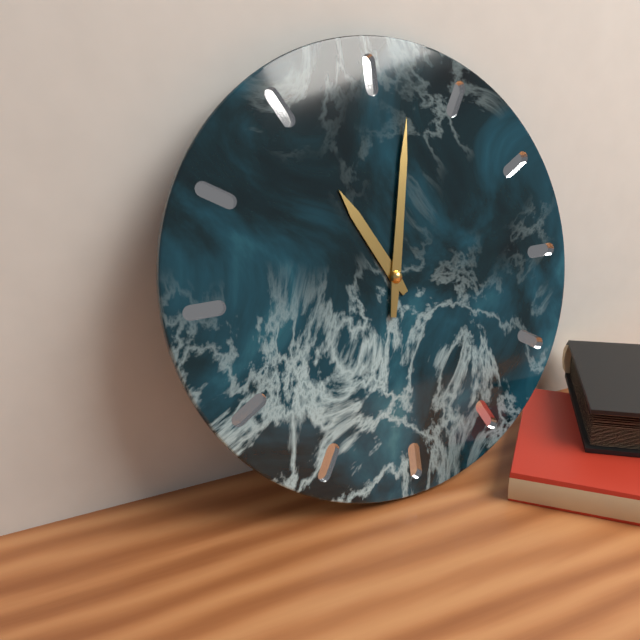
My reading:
11 h 02 min
